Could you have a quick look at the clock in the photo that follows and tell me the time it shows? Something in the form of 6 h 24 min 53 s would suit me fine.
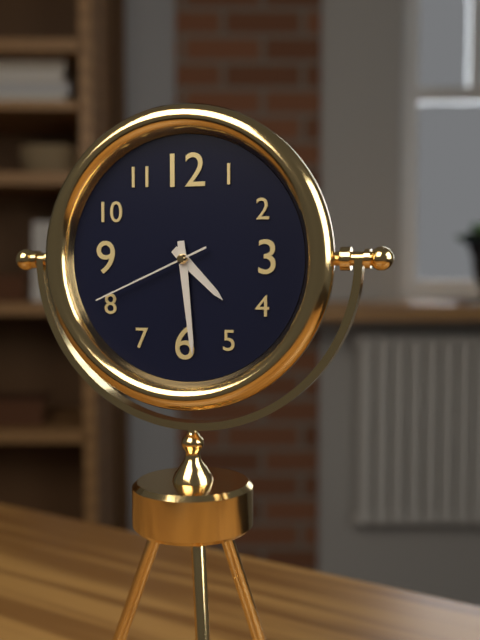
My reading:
4 h 29 min 41 s
